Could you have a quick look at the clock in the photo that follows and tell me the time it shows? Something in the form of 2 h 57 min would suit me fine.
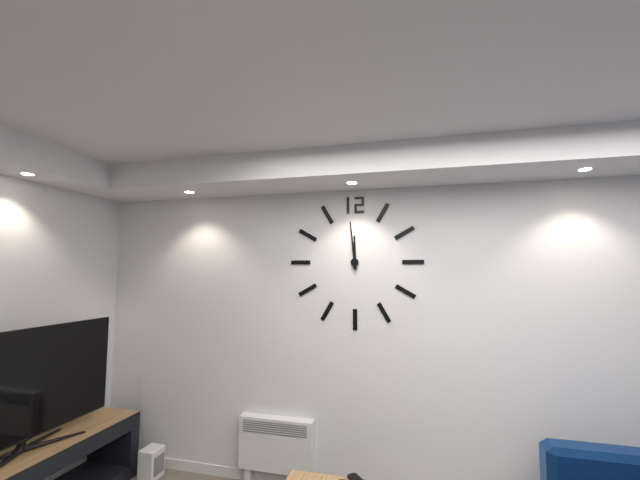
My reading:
11 h 59 min
